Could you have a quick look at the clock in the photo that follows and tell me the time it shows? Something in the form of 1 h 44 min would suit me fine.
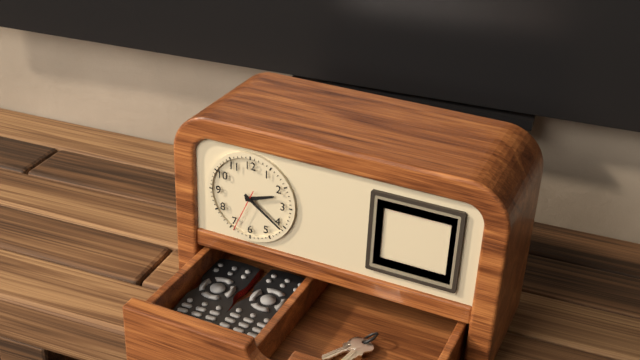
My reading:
2 h 21 min
